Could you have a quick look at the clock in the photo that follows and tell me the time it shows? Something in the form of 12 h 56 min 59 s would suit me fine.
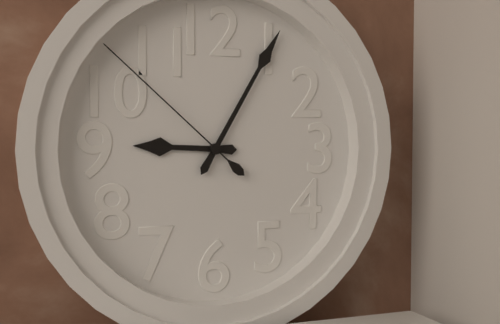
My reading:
9 h 05 min 52 s
